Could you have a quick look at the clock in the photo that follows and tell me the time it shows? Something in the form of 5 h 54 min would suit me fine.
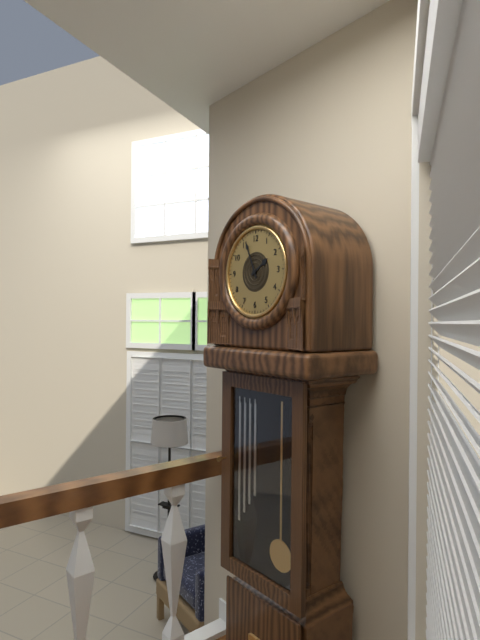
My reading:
1 h 56 min
